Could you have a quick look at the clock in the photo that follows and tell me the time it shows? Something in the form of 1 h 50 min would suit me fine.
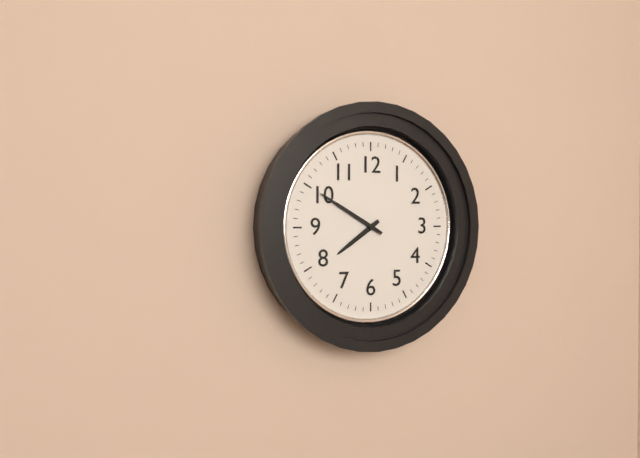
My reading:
7 h 50 min
